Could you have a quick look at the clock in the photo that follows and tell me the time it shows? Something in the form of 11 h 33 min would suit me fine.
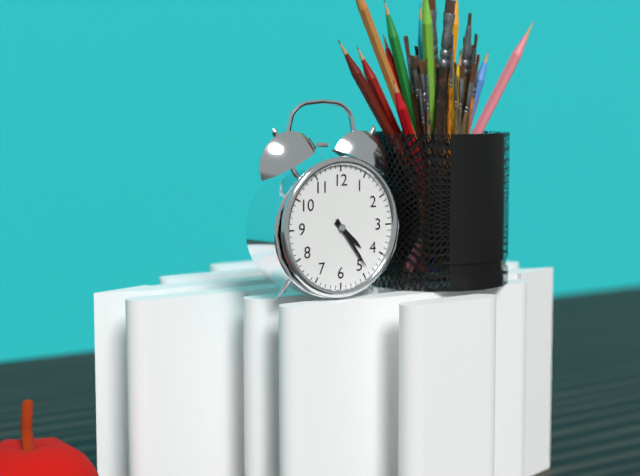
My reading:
4 h 24 min
